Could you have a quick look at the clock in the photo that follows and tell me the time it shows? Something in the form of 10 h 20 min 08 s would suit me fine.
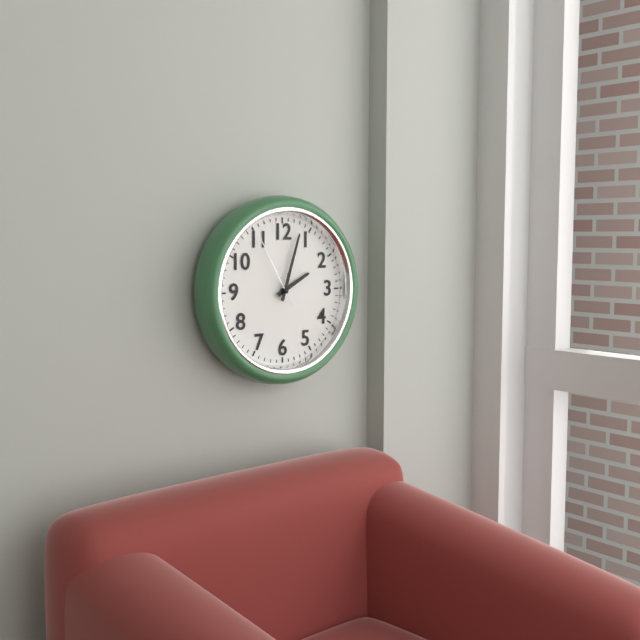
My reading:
2 h 03 min 55 s
